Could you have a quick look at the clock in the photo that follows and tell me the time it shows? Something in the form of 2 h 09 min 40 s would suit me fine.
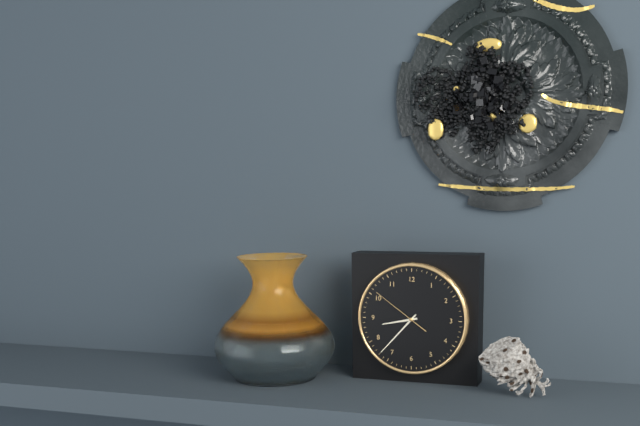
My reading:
8 h 37 min 51 s
